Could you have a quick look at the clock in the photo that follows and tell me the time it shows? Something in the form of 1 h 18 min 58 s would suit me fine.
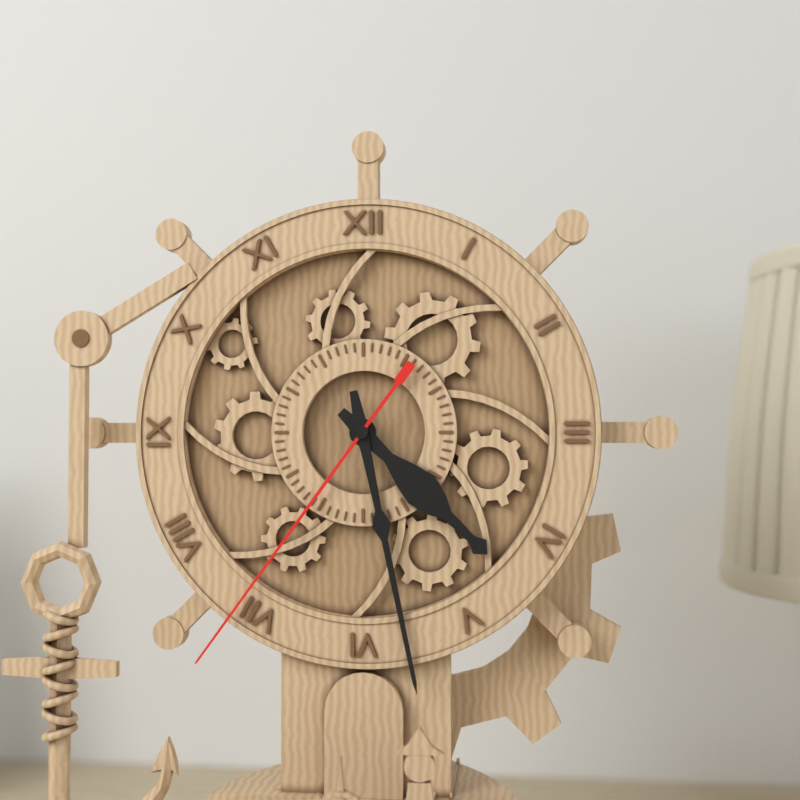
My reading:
4 h 28 min 36 s
